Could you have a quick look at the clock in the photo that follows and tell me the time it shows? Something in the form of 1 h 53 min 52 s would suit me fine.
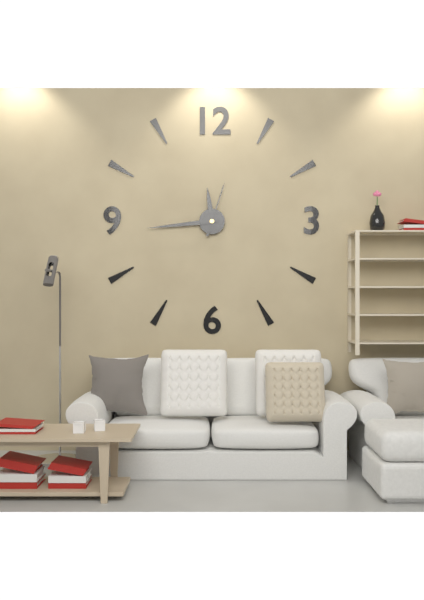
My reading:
11 h 44 min 03 s
